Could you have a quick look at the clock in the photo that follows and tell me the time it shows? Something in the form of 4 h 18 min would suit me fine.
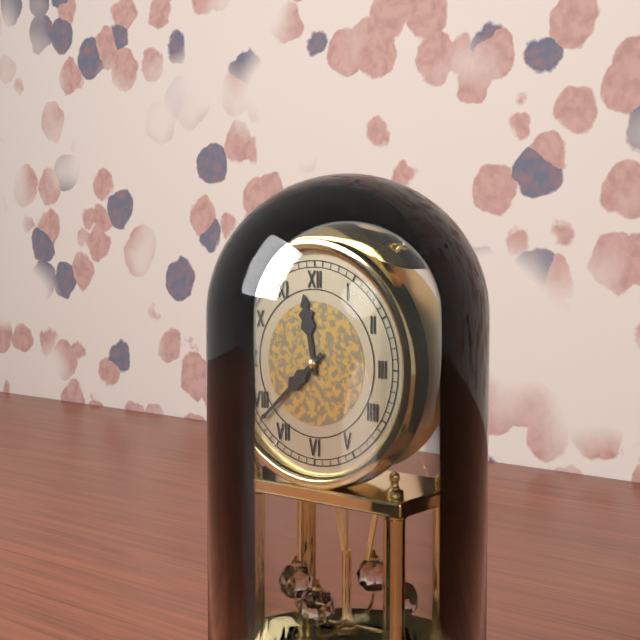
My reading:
11 h 38 min
